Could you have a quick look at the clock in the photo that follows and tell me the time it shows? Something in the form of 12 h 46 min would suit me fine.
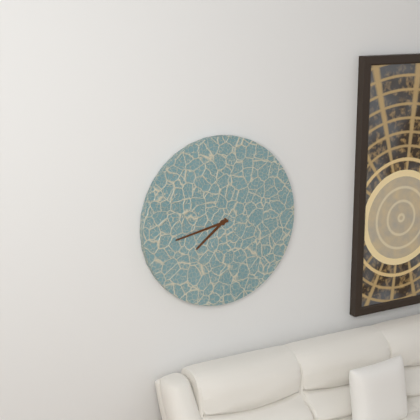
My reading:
7 h 43 min
